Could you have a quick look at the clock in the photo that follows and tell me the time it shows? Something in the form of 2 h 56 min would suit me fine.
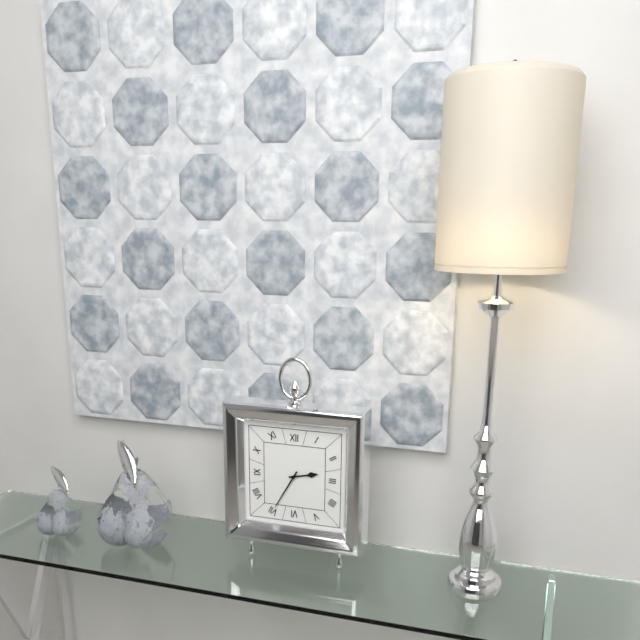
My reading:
2 h 35 min
